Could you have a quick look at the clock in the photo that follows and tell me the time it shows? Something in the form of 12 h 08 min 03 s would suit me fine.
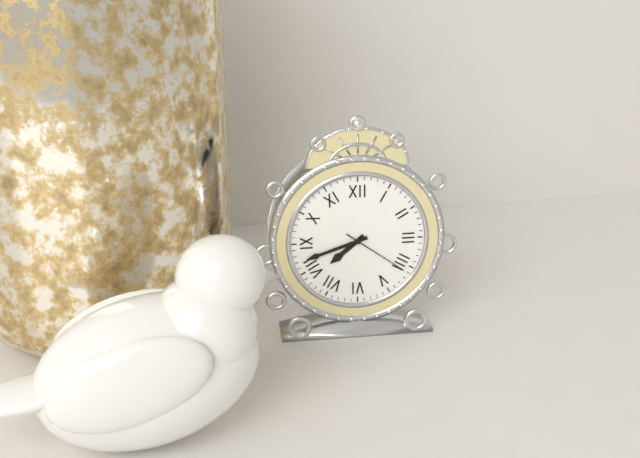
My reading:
7 h 42 min 21 s
